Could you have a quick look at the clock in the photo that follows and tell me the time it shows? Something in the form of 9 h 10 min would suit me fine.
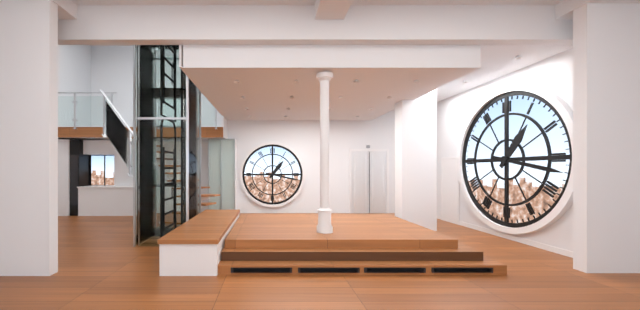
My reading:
1 h 17 min
